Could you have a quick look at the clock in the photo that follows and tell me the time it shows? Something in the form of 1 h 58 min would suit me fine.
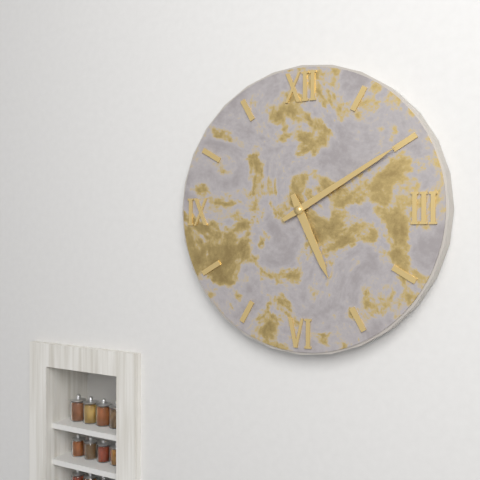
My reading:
5 h 10 min
